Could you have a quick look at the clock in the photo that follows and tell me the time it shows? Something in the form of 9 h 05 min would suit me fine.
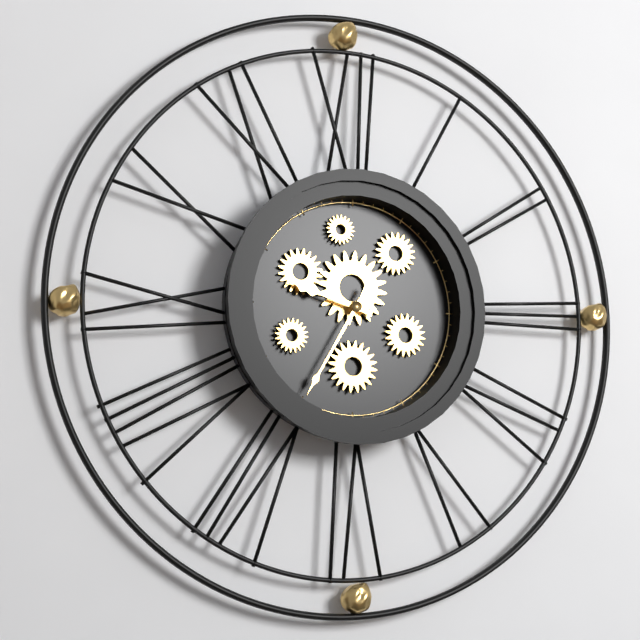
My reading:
9 h 35 min
